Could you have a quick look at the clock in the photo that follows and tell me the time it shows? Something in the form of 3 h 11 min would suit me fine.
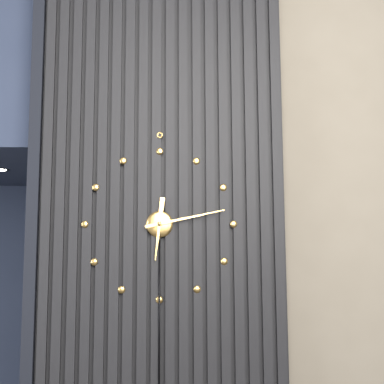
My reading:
6 h 13 min
